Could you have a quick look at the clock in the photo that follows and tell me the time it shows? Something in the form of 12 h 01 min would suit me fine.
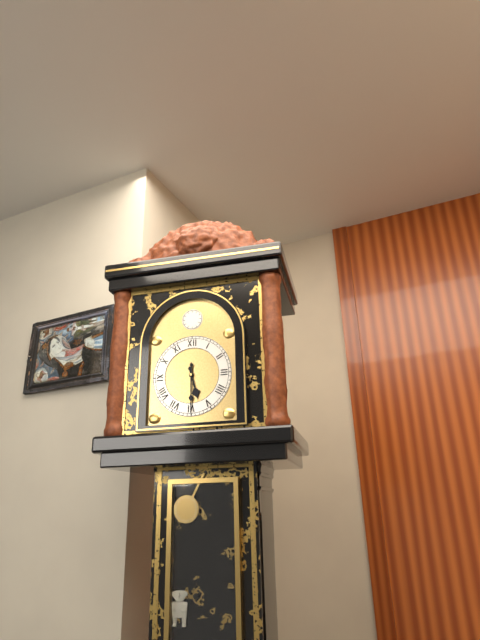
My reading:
5 h 30 min
